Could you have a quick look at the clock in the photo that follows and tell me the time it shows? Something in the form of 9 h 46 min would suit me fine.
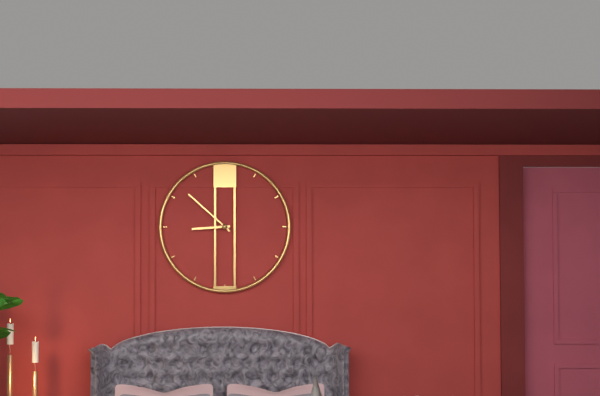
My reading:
8 h 52 min
